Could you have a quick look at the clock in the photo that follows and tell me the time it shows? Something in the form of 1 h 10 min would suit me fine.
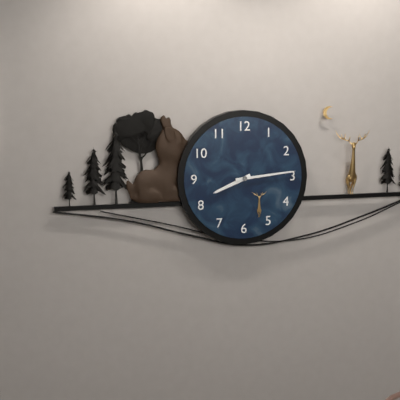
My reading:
8 h 14 min
